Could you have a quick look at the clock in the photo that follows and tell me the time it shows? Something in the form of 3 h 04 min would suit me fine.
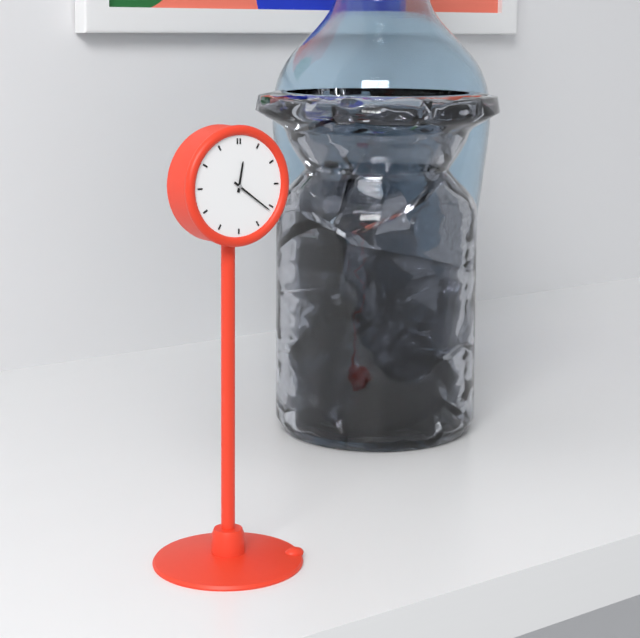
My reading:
12 h 21 min
